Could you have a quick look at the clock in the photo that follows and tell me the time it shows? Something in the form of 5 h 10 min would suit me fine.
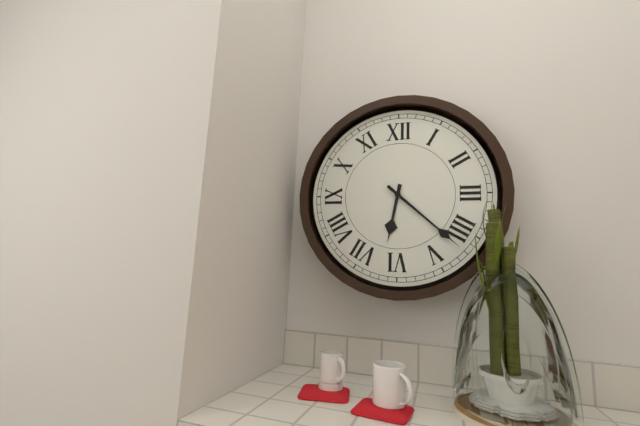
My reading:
6 h 22 min
